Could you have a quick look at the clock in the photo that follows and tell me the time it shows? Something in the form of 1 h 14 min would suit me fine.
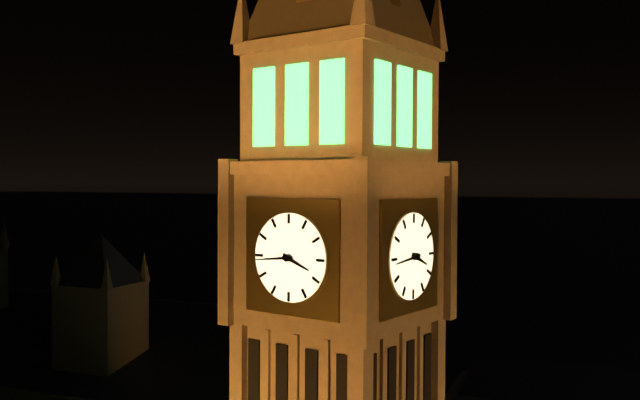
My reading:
3 h 44 min
